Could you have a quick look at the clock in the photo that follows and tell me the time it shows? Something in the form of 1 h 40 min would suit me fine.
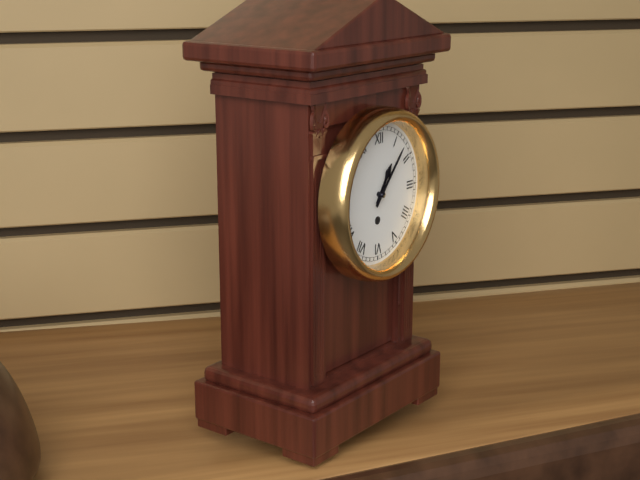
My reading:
1 h 07 min
